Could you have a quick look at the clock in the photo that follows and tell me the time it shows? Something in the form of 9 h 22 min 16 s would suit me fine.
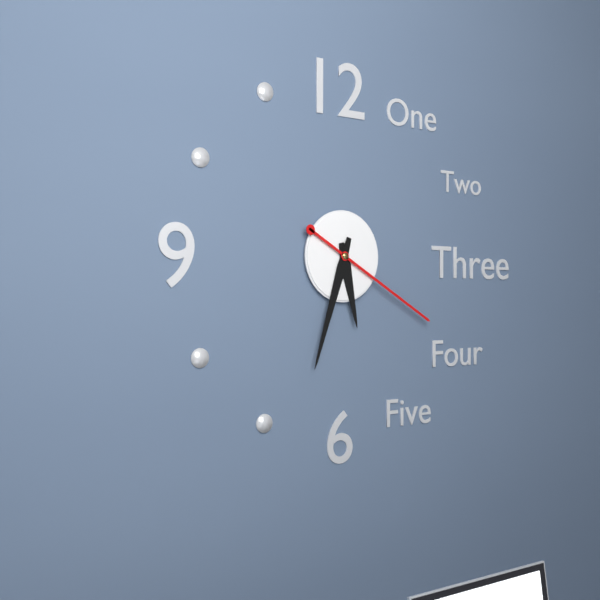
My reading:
5 h 33 min 20 s
